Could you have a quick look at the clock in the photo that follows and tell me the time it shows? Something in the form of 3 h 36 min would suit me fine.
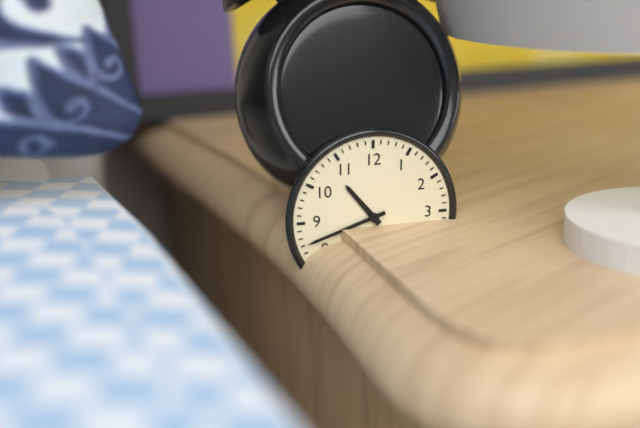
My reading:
10 h 42 min
